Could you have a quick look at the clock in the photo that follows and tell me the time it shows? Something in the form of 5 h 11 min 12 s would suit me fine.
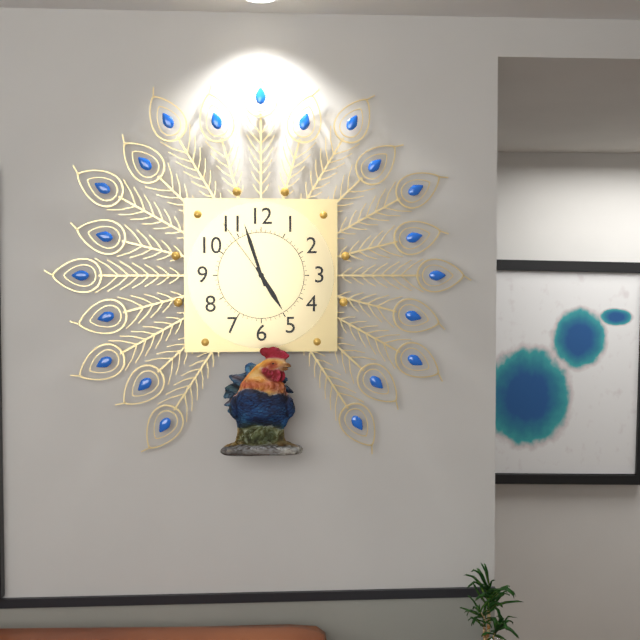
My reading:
4 h 57 min 54 s
